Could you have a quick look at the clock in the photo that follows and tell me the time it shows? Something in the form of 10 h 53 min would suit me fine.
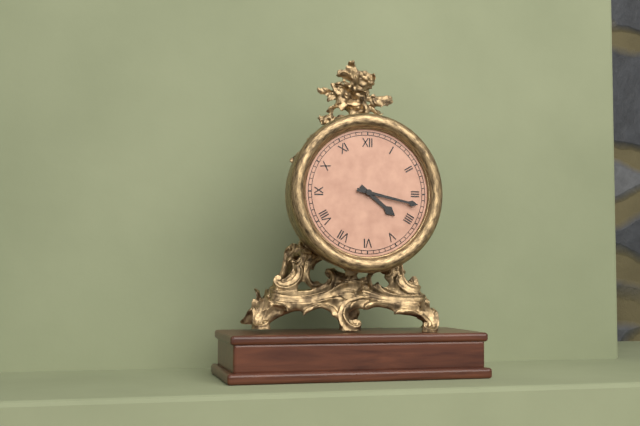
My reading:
4 h 17 min
